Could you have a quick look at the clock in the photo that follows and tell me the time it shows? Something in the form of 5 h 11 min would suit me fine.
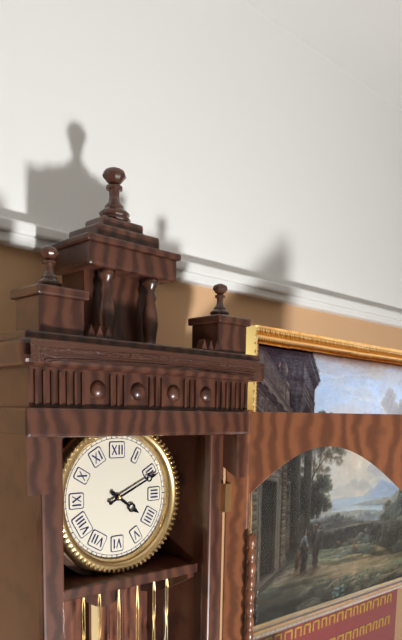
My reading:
4 h 11 min
